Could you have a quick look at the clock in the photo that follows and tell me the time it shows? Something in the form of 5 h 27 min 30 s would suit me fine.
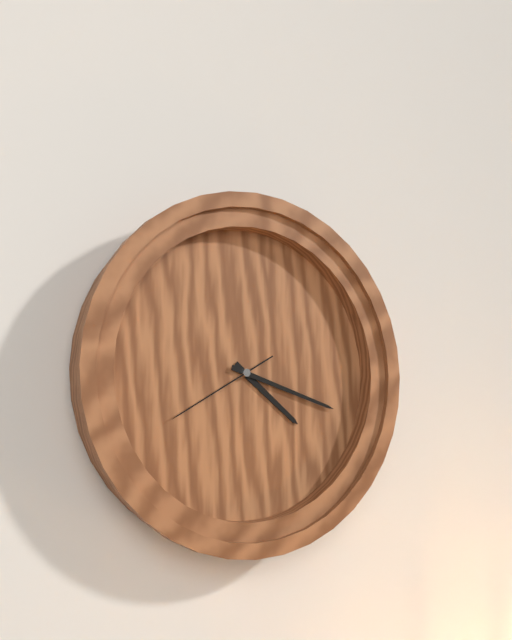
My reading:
4 h 18 min 40 s
